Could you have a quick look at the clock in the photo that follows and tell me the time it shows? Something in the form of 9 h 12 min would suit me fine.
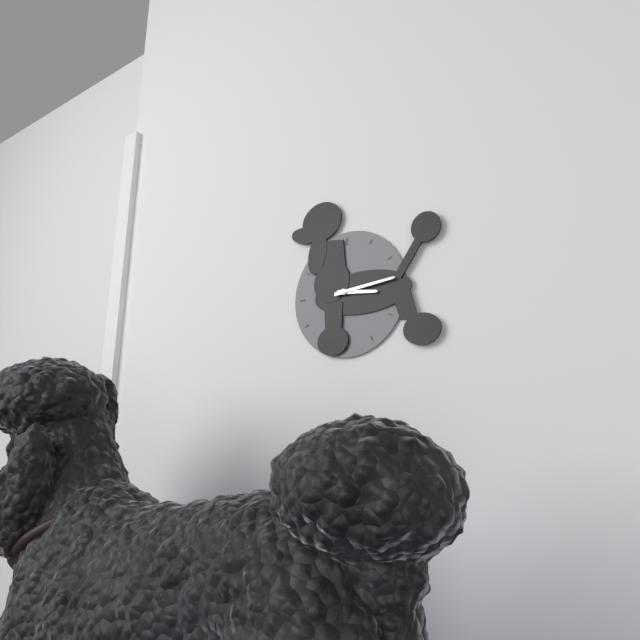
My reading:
3 h 14 min
